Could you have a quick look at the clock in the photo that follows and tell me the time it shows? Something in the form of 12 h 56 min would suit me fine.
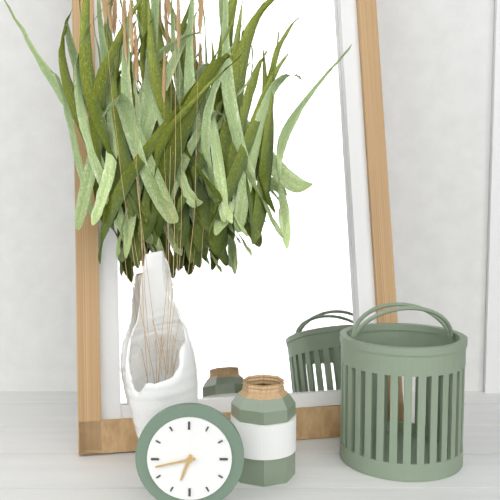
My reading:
6 h 43 min
